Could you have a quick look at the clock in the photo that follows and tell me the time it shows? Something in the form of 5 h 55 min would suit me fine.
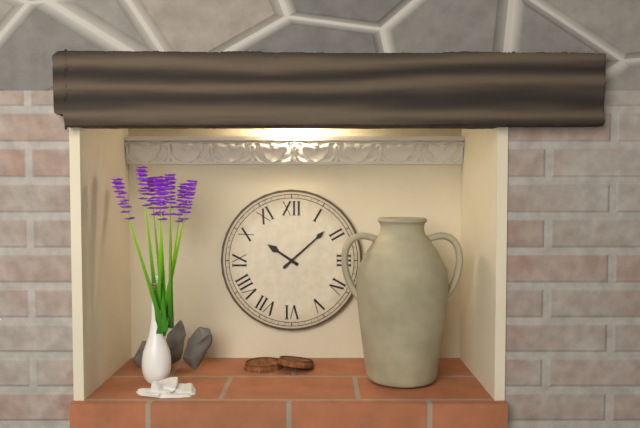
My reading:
10 h 08 min
